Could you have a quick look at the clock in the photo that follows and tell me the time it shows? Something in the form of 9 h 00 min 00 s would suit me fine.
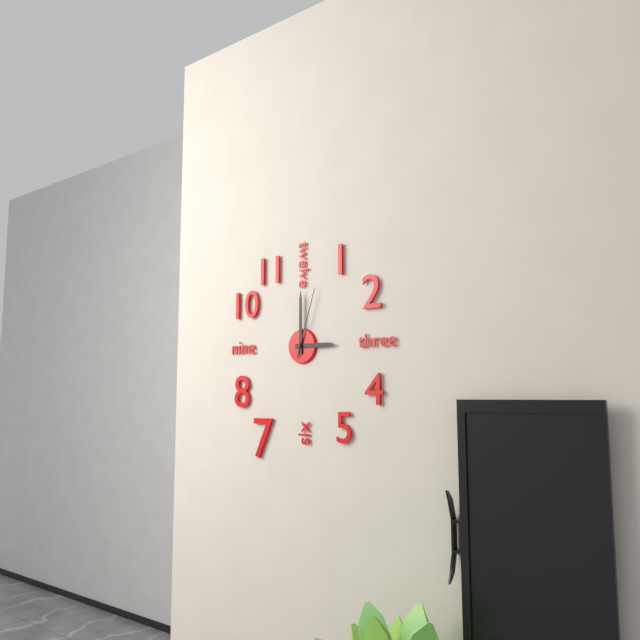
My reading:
3 h 00 min 03 s
